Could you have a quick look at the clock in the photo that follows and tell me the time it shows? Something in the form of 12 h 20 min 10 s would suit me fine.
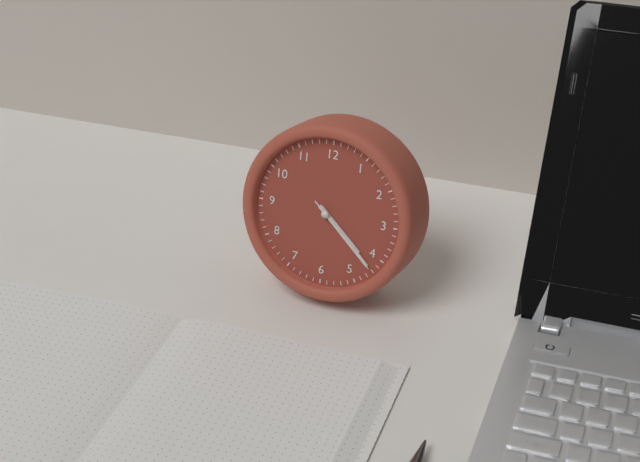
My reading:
4 h 22 min 22 s
